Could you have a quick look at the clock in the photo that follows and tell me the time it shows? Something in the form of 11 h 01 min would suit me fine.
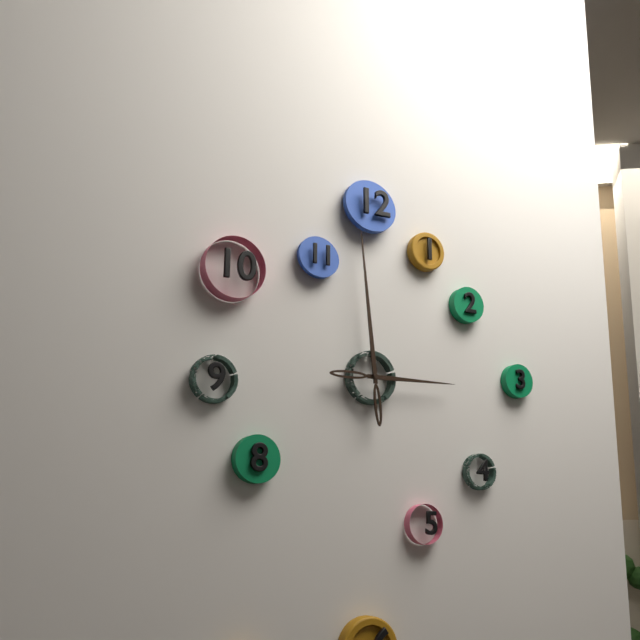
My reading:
2 h 59 min
